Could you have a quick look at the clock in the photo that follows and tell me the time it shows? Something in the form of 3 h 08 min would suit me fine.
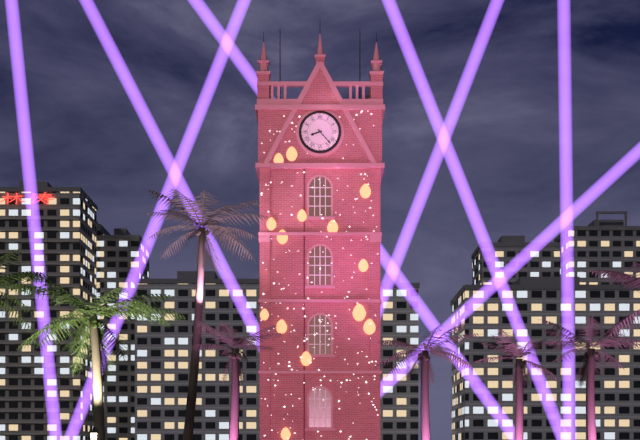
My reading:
8 h 23 min
